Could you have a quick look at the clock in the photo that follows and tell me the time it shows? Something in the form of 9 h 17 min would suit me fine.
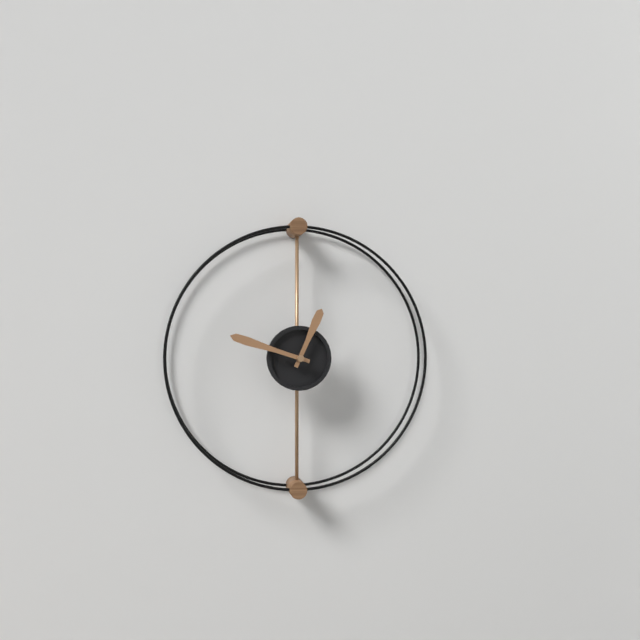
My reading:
12 h 48 min
